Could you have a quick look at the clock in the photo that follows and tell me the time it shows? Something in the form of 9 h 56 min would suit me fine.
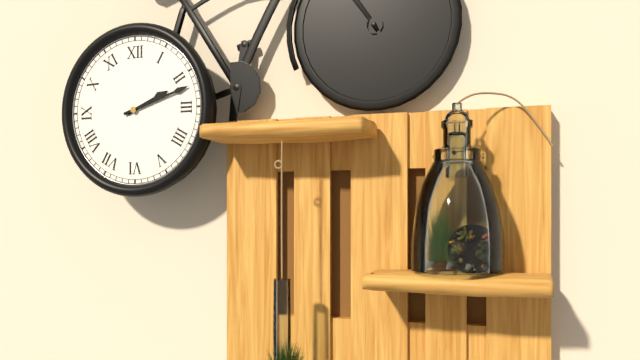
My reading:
2 h 12 min
